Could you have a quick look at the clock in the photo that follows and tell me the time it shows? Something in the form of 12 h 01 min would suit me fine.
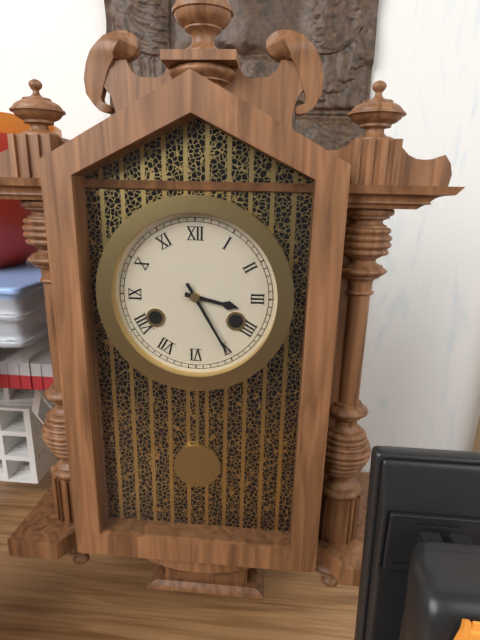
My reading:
3 h 25 min
